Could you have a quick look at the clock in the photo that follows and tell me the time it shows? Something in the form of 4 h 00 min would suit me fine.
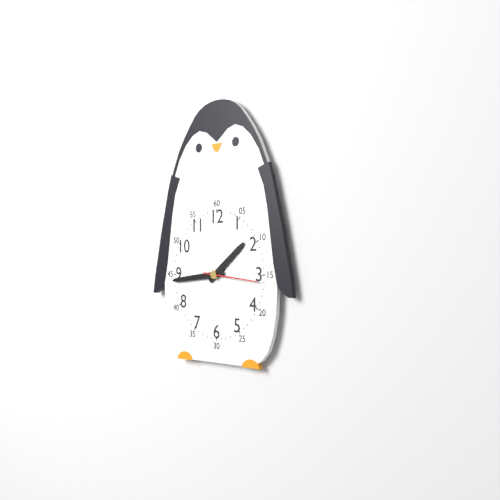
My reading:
1 h 44 min
